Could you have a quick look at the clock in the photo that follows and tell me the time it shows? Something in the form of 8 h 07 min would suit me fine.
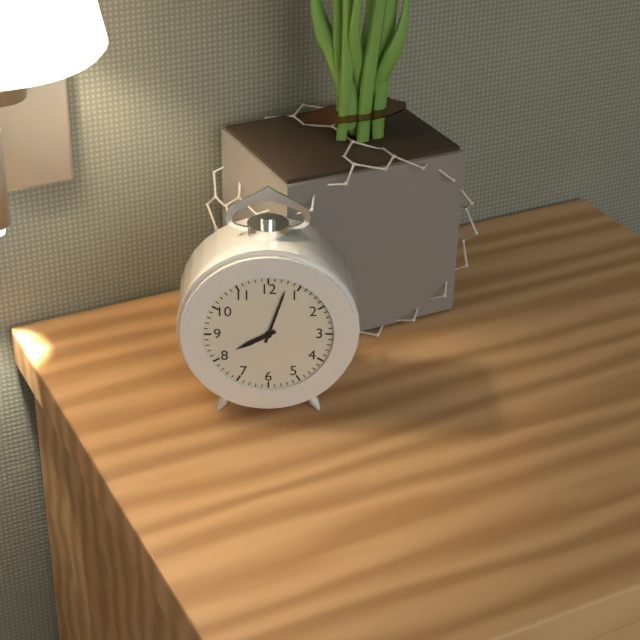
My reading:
8 h 03 min
